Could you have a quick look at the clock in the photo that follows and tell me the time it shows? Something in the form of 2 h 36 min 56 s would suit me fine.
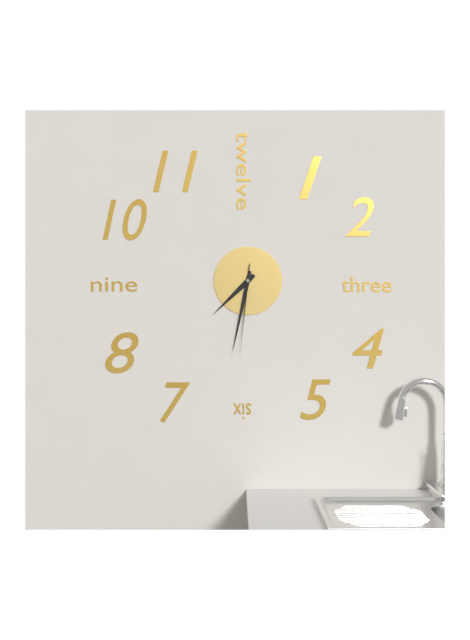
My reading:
7 h 32 min 31 s
